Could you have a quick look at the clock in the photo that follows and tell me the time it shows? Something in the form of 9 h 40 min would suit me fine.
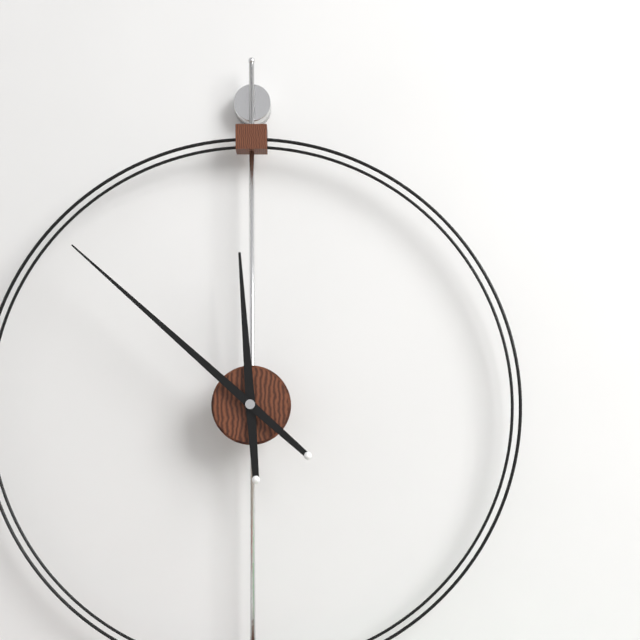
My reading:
11 h 52 min
